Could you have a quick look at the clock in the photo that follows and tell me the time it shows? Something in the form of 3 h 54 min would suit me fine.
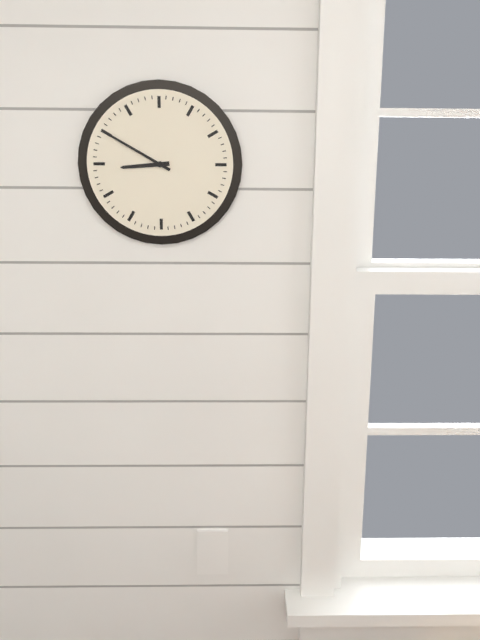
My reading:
8 h 50 min
